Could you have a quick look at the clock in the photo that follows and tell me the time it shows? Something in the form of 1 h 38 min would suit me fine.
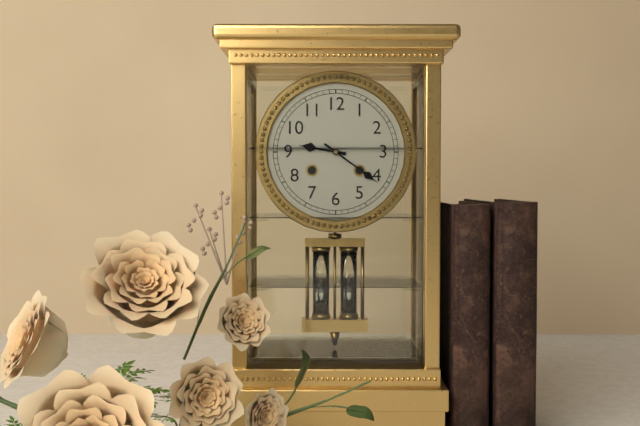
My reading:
9 h 21 min
